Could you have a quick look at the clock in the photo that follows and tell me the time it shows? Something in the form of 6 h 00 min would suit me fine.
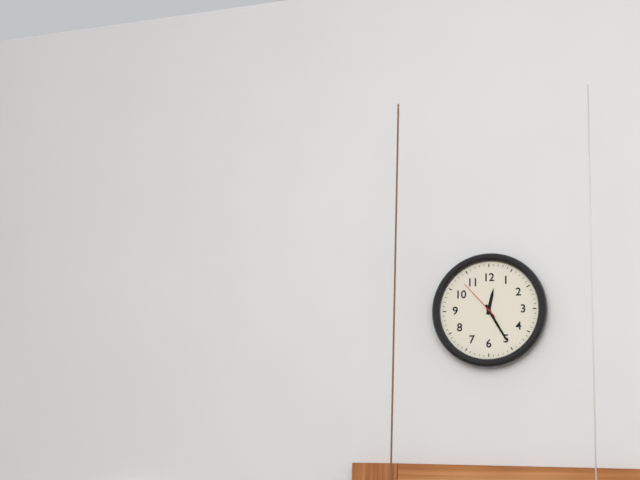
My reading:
12 h 25 min
